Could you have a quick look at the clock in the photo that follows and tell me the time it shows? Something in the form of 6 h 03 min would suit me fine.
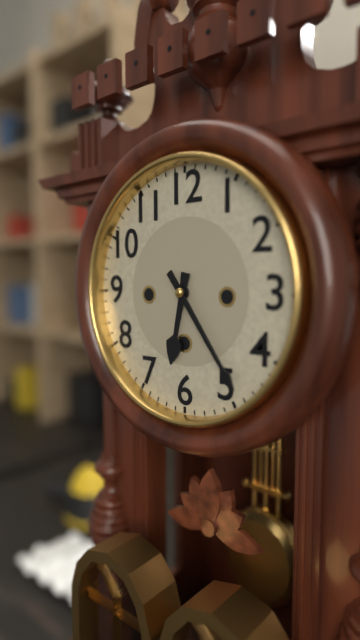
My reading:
6 h 24 min
